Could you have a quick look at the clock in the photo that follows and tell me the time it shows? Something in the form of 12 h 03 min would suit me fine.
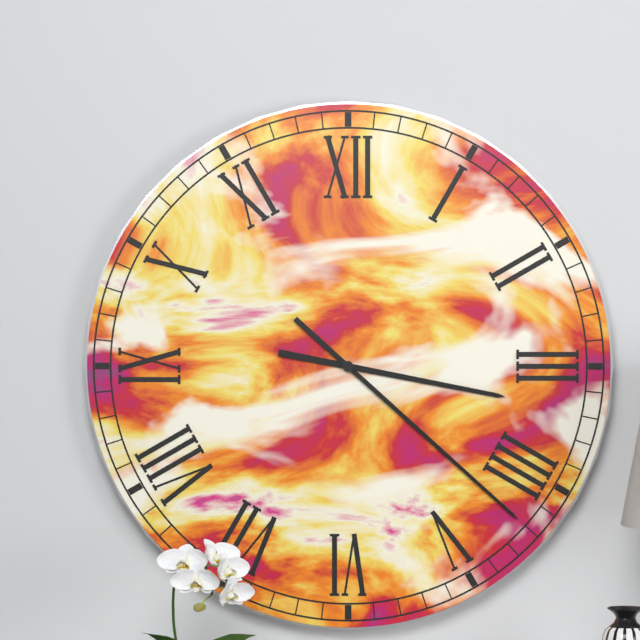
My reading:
3 h 22 min
